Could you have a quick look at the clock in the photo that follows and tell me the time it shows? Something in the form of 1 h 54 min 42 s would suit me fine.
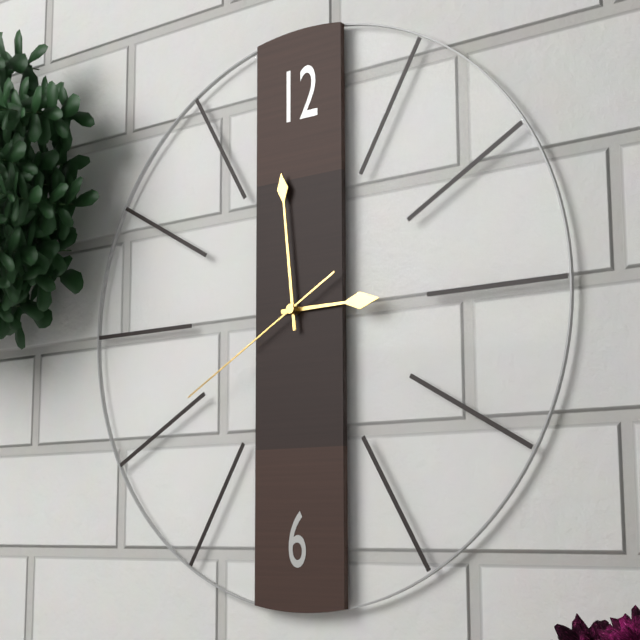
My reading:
2 h 59 min 40 s
